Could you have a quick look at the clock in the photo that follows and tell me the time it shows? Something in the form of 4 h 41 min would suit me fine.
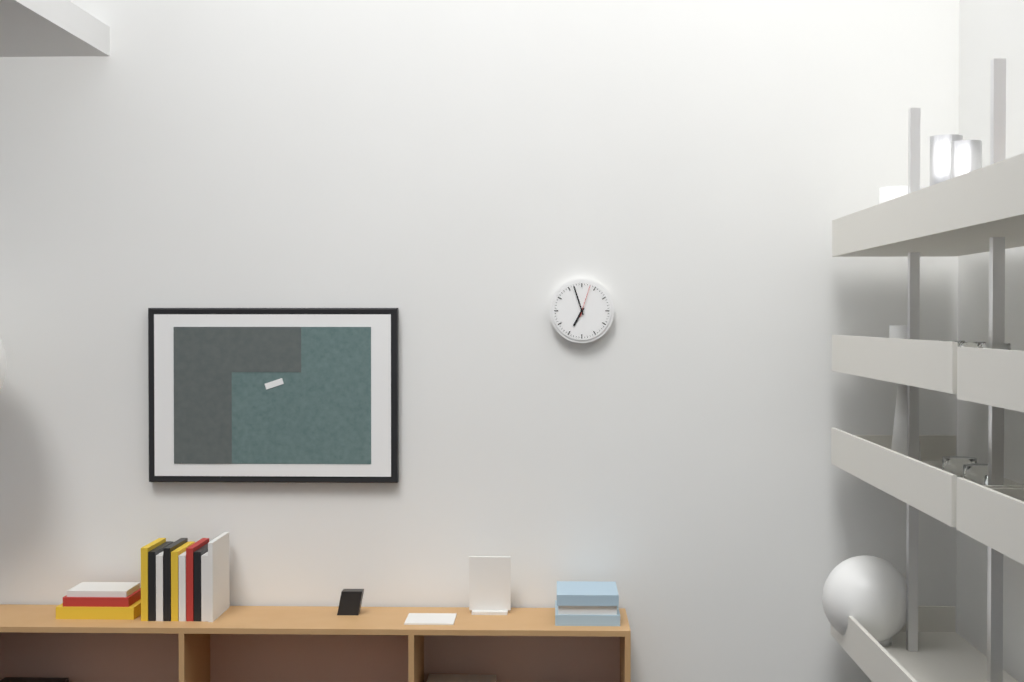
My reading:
6 h 57 min
